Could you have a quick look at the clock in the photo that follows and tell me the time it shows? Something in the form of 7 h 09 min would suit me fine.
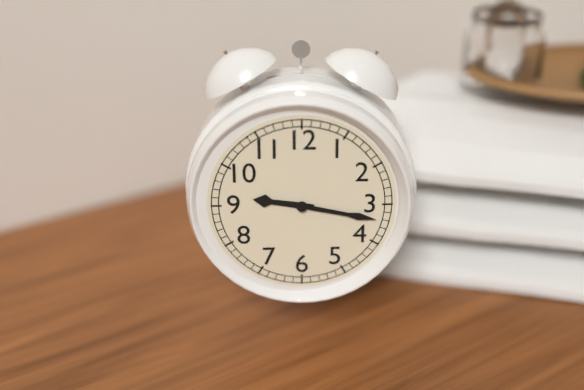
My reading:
9 h 17 min
